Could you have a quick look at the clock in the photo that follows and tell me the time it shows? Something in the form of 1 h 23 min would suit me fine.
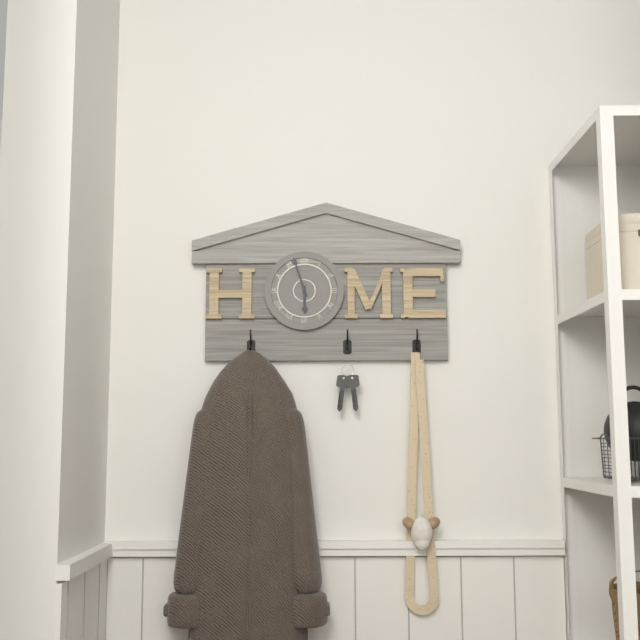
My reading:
5 h 57 min
